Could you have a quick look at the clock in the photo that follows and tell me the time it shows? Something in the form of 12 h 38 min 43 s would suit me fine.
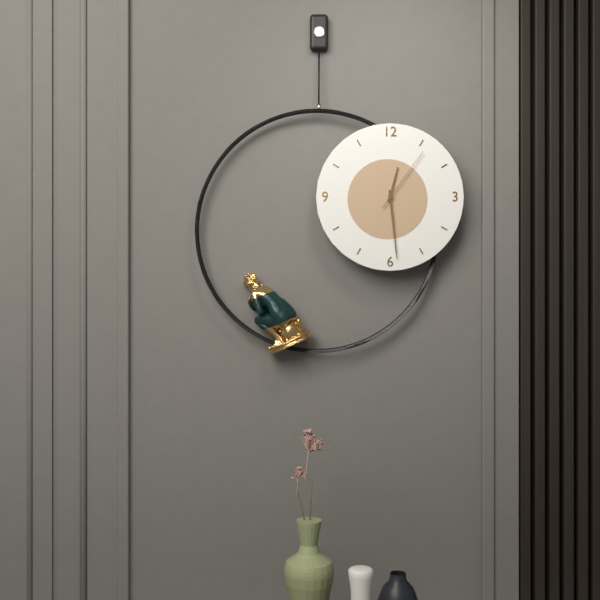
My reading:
12 h 29 min 06 s
